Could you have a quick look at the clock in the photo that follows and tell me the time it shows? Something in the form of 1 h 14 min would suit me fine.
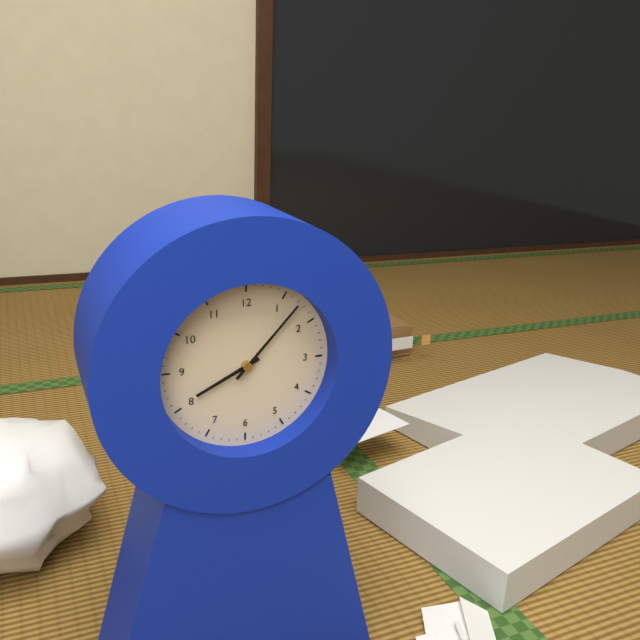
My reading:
8 h 07 min
